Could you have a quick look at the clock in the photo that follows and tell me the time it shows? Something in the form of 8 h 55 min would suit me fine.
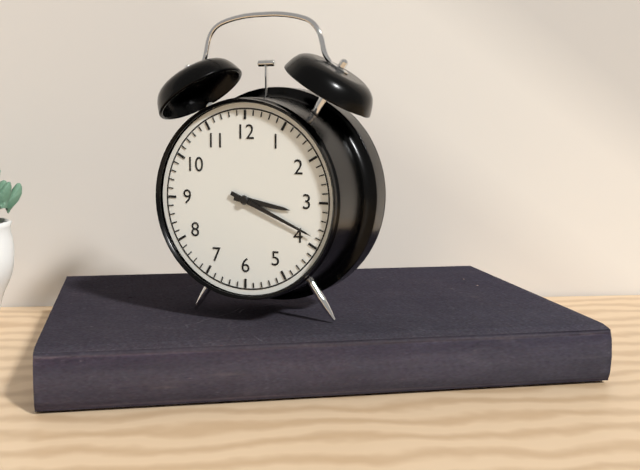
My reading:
3 h 19 min
